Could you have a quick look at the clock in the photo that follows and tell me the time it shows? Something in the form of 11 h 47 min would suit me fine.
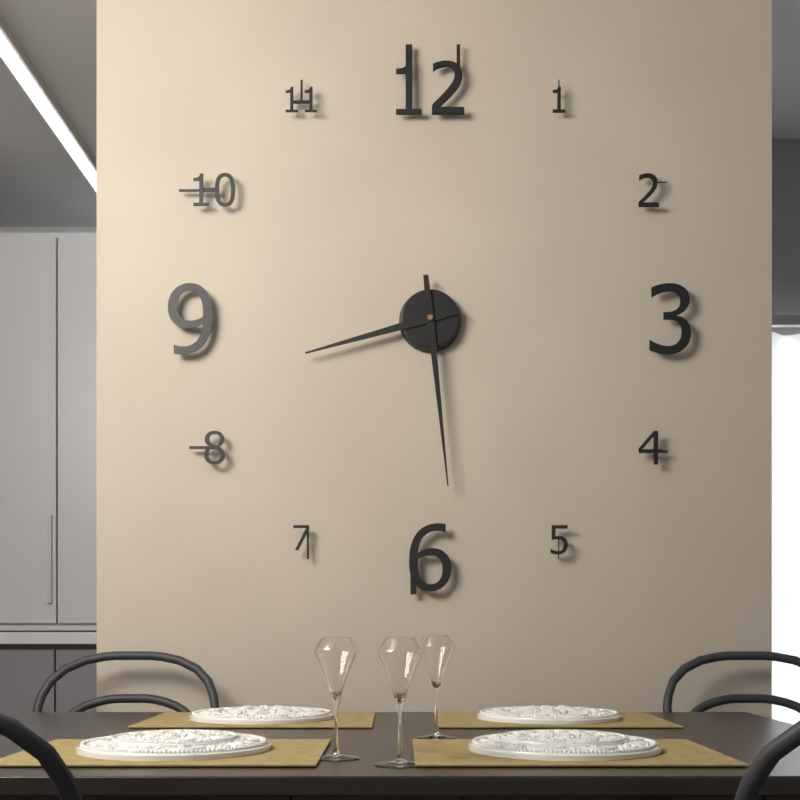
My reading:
8 h 29 min
